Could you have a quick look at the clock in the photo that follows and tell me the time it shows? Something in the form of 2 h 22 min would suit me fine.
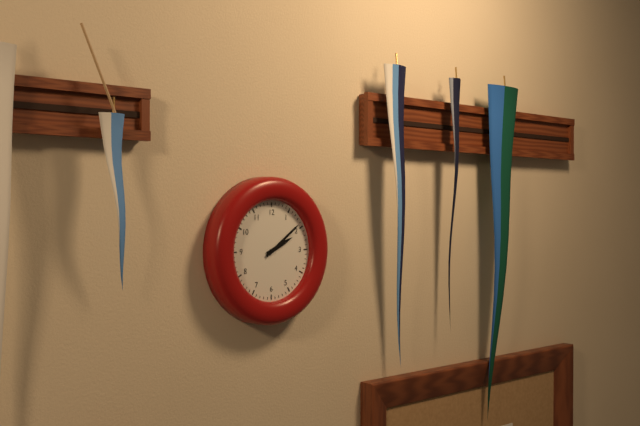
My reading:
2 h 09 min
